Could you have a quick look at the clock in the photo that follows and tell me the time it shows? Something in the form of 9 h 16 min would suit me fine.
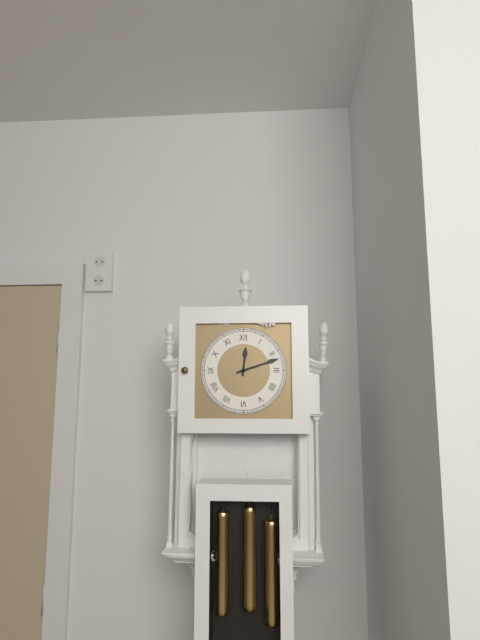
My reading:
12 h 12 min
